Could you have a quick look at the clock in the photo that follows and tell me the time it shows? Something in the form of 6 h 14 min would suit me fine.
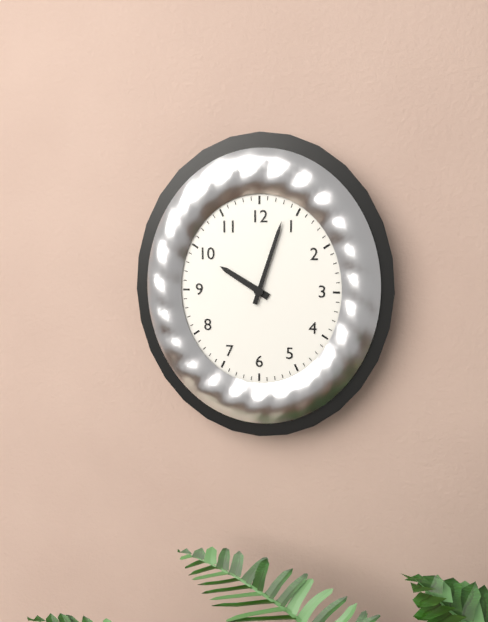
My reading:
10 h 03 min
